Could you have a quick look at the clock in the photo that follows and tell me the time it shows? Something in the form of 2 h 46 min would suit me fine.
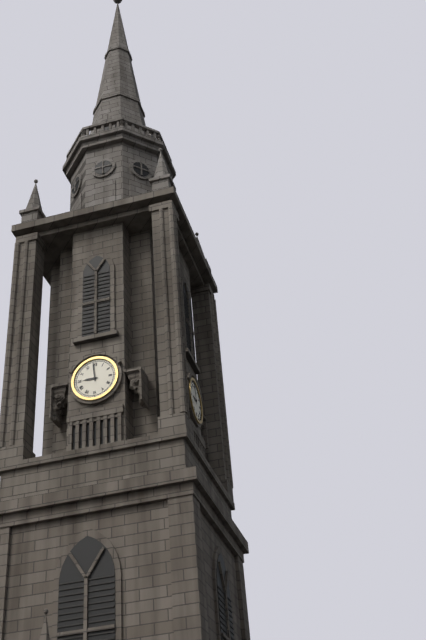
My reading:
8 h 59 min
